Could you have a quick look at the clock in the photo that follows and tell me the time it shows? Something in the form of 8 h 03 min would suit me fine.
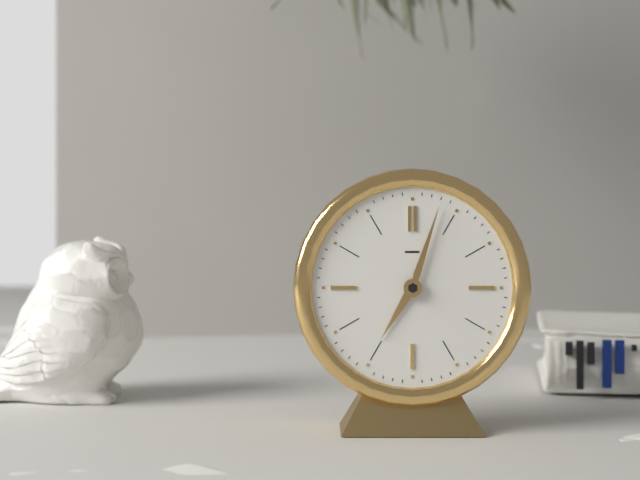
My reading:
7 h 03 min
